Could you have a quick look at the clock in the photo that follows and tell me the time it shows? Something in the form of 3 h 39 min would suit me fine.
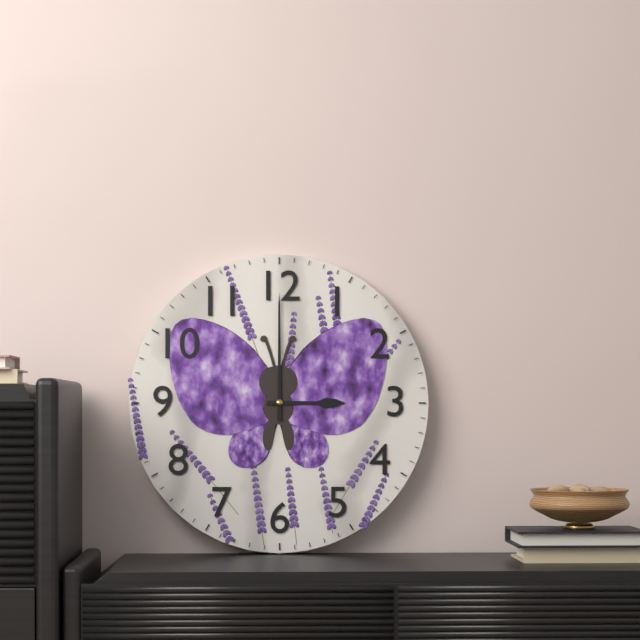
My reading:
3 h 00 min
